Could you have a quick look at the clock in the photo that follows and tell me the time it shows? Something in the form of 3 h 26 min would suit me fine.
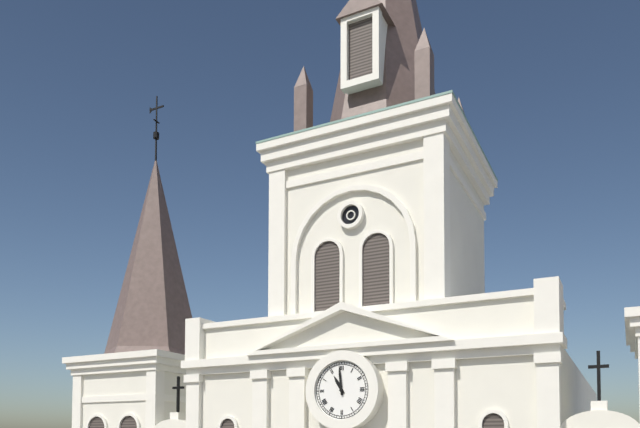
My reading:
10 h 59 min
